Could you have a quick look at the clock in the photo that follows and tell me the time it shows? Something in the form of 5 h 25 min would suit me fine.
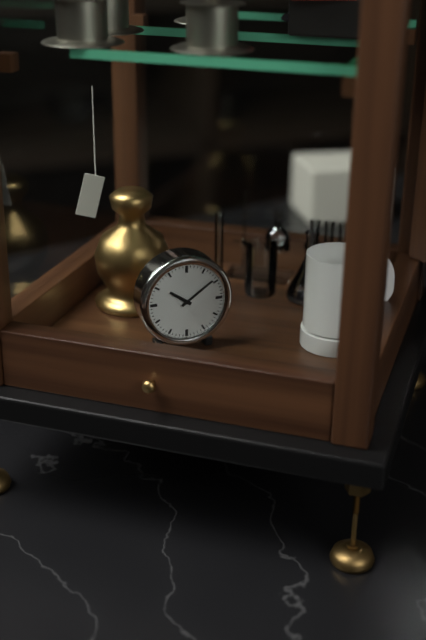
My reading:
10 h 09 min
